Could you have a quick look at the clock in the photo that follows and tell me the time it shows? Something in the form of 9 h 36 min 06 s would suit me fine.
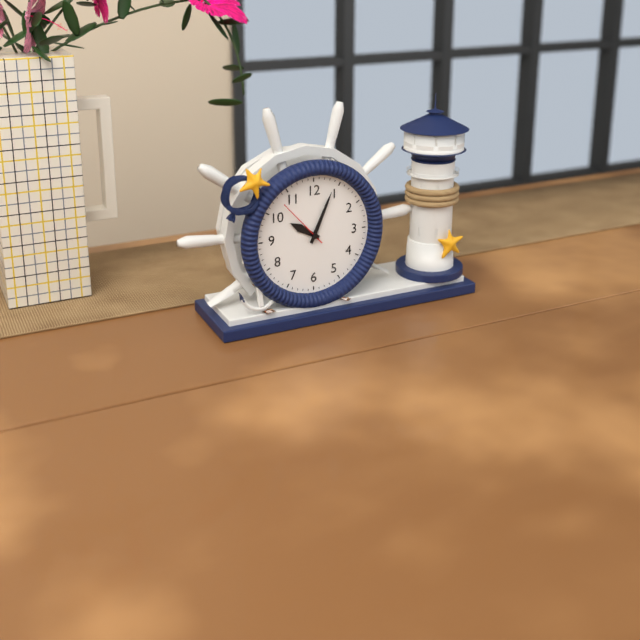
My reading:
10 h 04 min 53 s
